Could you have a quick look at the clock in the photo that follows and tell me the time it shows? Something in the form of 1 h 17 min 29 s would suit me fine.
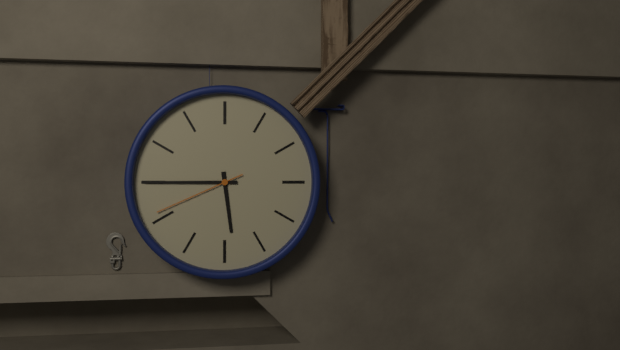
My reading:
5 h 45 min 41 s
